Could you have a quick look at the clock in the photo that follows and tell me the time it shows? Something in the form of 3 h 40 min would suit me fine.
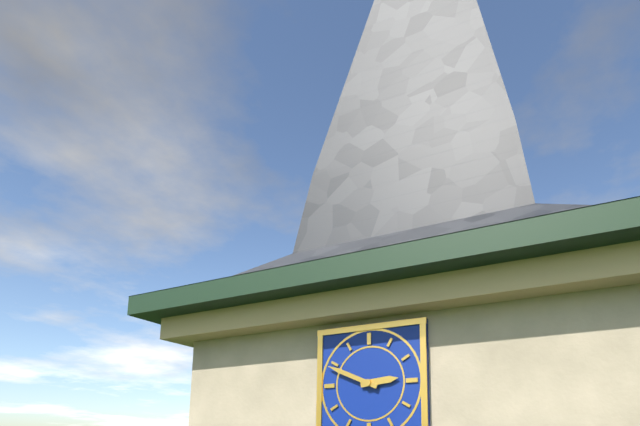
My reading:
2 h 49 min
